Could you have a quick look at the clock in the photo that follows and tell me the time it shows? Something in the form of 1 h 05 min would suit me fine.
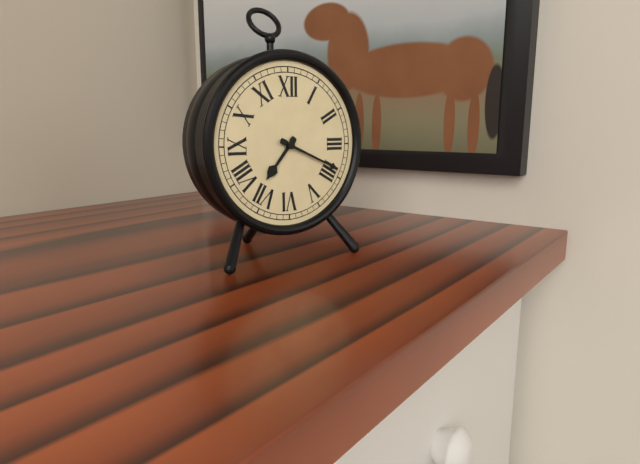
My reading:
7 h 19 min
